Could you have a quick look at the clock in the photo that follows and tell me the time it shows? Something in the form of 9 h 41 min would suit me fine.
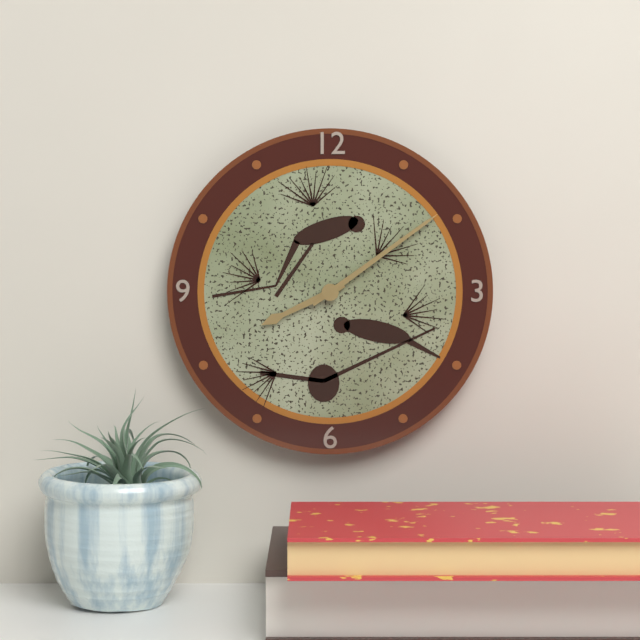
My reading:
8 h 09 min
